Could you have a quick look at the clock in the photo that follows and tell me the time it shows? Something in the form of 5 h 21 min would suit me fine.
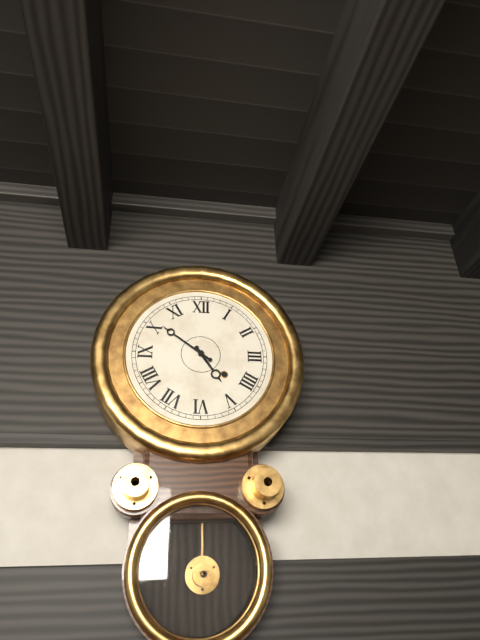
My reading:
4 h 51 min
